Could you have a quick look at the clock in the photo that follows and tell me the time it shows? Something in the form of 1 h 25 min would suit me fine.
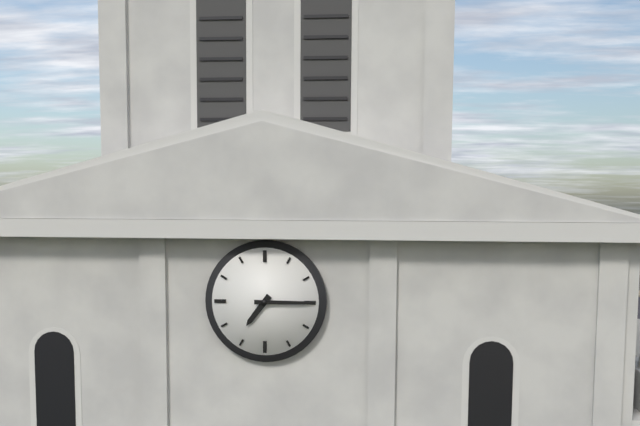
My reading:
7 h 15 min
